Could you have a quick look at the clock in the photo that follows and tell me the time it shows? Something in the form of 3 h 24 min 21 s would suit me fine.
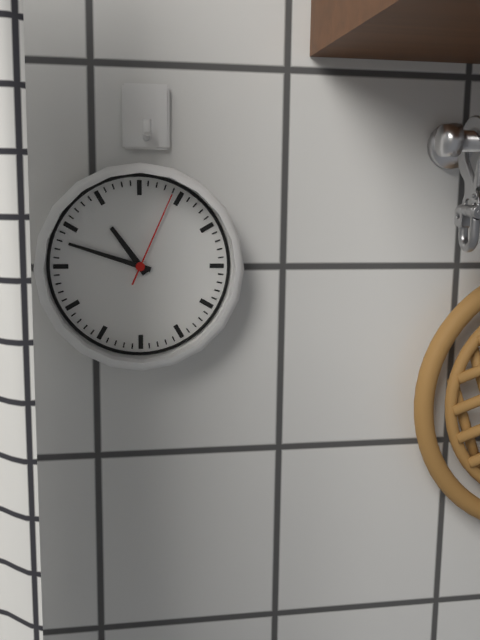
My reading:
10 h 48 min 04 s
